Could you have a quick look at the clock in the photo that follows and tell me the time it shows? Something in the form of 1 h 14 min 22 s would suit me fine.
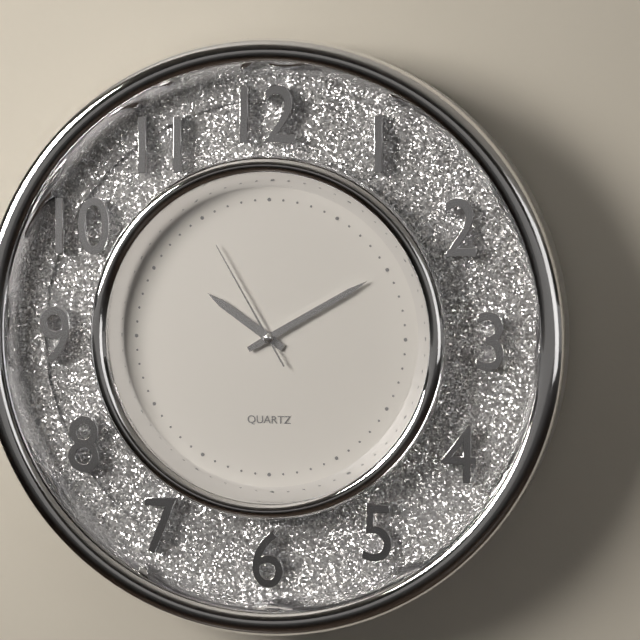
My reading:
10 h 10 min 55 s
